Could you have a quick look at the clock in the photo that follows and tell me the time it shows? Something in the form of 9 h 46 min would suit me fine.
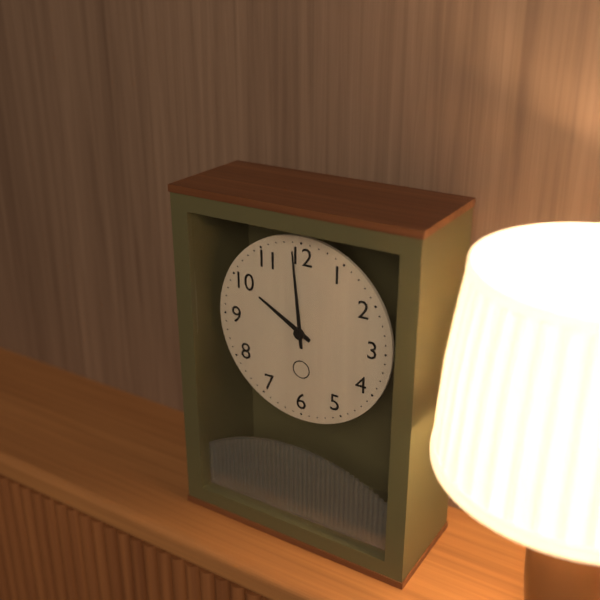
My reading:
9 h 59 min
